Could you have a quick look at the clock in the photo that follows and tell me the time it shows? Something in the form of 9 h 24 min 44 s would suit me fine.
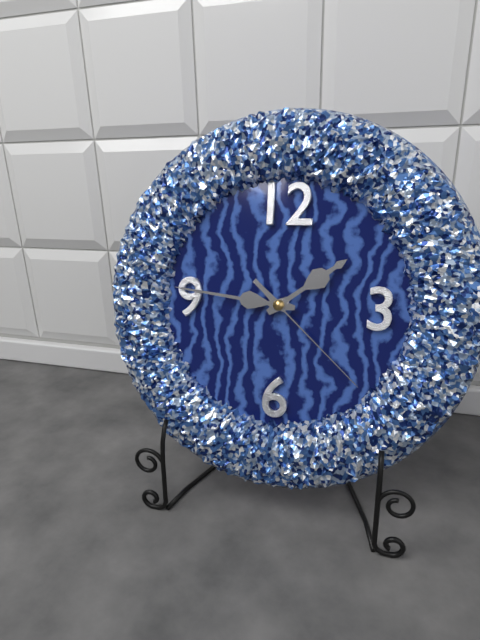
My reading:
1 h 46 min 22 s
